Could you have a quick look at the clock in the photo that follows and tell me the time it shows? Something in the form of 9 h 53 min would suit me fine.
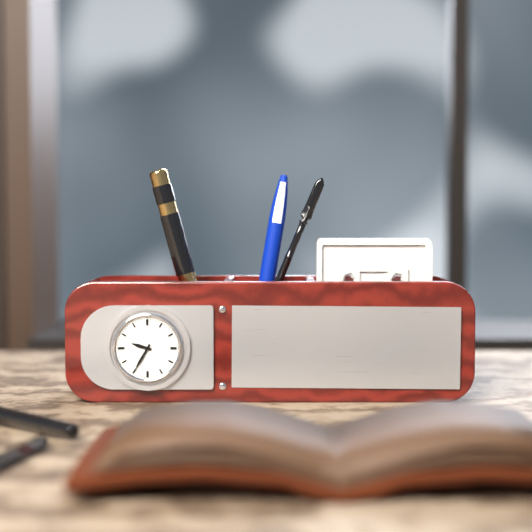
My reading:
9 h 35 min
